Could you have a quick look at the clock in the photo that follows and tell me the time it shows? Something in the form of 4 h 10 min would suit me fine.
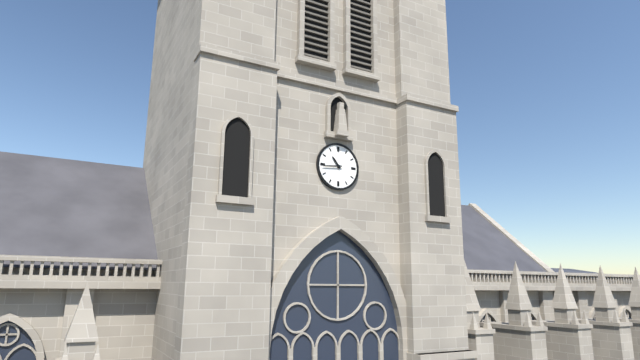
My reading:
10 h 44 min
